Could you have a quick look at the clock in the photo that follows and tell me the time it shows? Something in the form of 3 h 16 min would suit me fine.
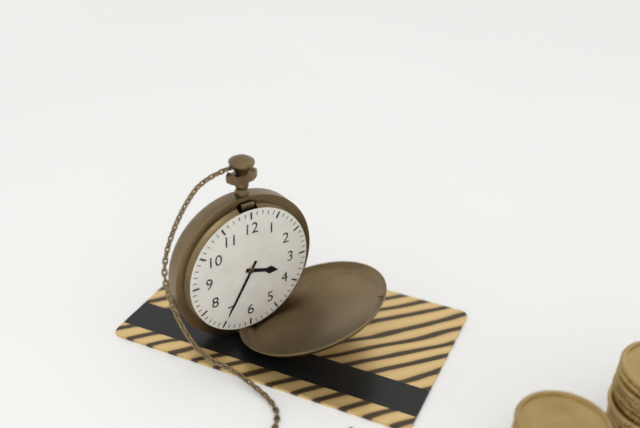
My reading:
3 h 35 min
